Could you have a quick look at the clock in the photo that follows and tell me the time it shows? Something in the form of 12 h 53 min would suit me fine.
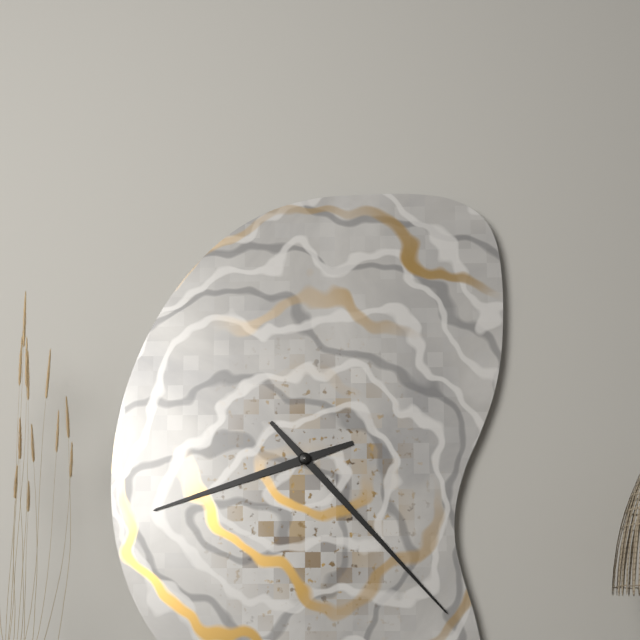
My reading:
8 h 23 min
